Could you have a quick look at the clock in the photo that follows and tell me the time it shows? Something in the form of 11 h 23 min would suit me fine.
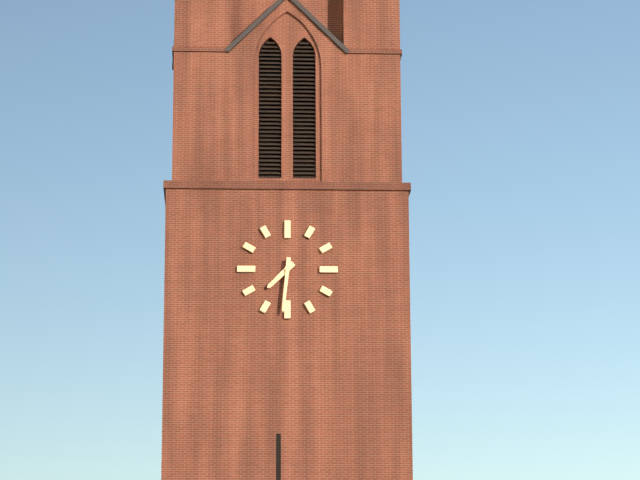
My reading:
7 h 31 min
